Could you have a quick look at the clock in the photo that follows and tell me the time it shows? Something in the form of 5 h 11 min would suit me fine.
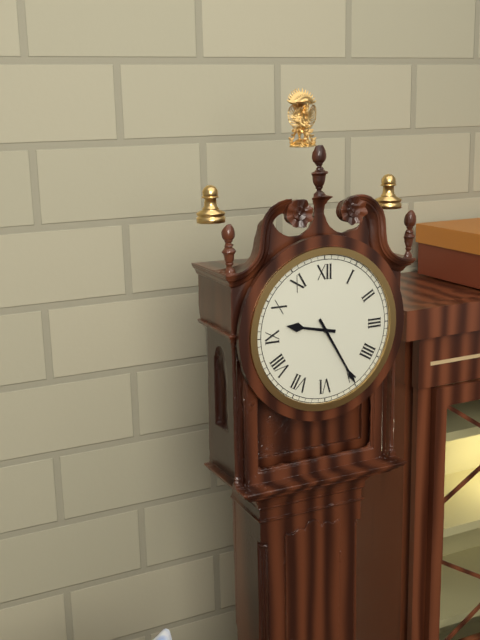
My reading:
9 h 25 min
